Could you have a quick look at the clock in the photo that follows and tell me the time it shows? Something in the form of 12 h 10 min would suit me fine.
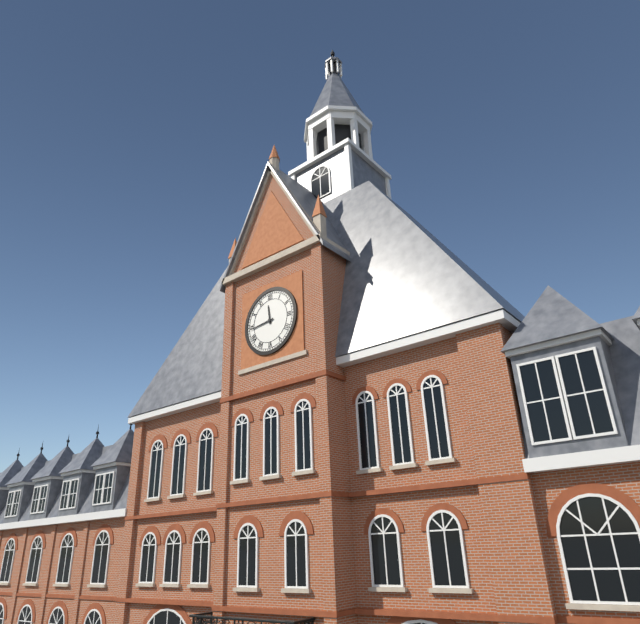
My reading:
11 h 44 min
